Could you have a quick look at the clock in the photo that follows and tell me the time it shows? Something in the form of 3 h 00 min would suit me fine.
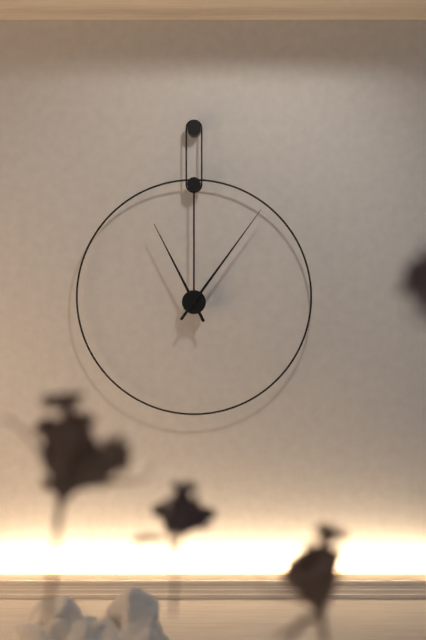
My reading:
11 h 06 min
